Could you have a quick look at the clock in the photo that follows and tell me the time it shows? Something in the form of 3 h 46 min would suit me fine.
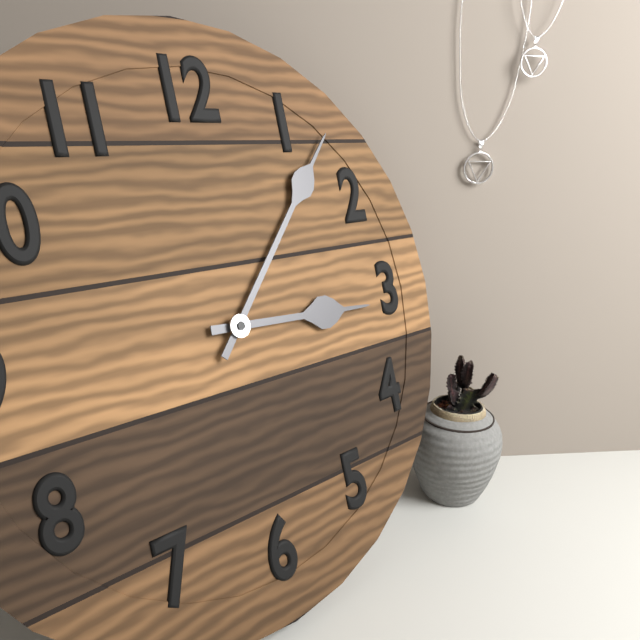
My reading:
3 h 07 min
